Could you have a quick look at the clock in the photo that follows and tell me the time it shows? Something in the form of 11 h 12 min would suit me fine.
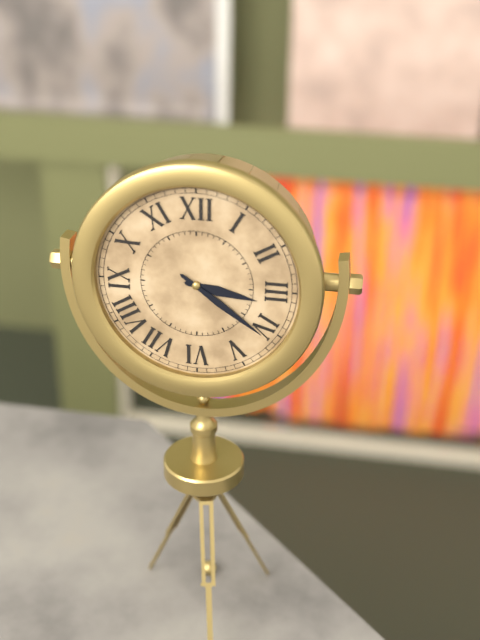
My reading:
3 h 21 min
